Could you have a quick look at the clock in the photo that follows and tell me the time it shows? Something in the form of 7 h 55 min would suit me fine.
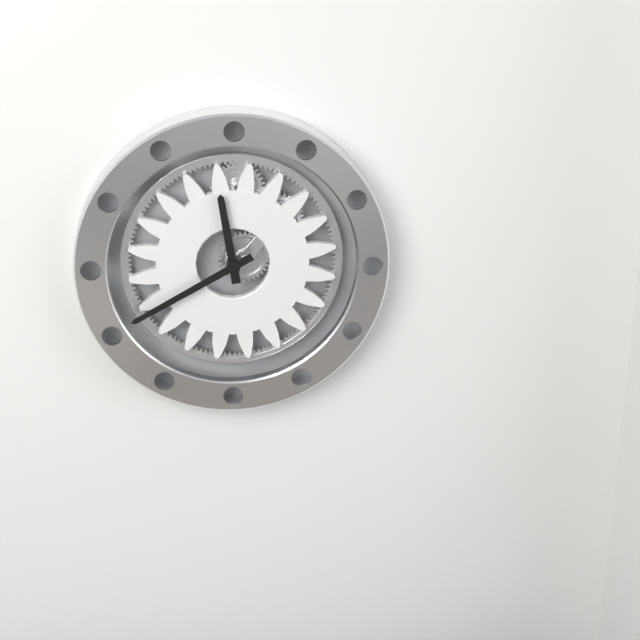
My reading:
11 h 40 min
